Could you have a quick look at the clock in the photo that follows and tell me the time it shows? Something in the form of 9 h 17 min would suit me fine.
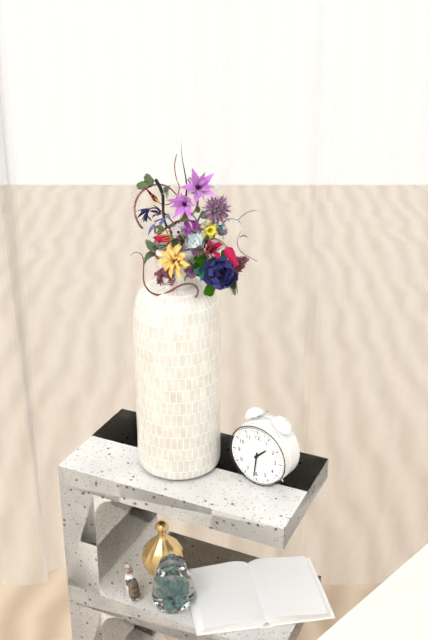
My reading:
1 h 31 min
